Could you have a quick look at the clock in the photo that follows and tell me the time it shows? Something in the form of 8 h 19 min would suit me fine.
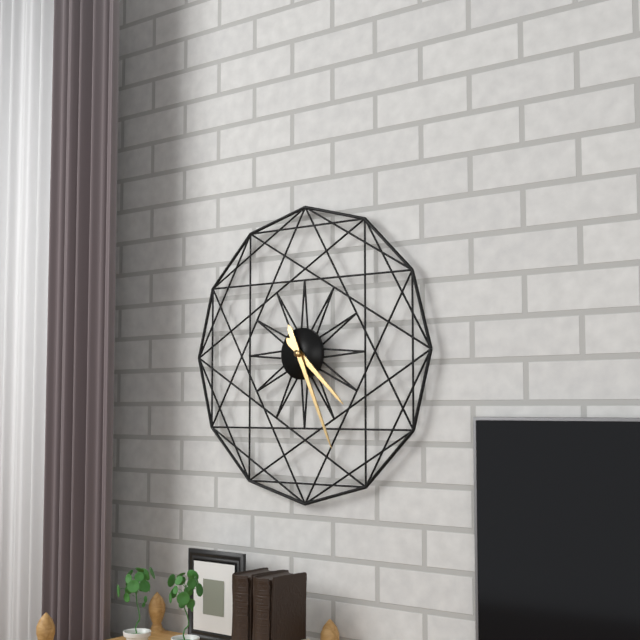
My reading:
4 h 26 min
